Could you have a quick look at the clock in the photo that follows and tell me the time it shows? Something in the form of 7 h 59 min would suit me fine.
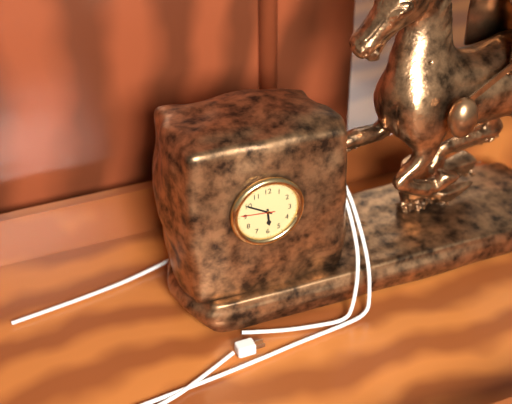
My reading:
5 h 50 min
